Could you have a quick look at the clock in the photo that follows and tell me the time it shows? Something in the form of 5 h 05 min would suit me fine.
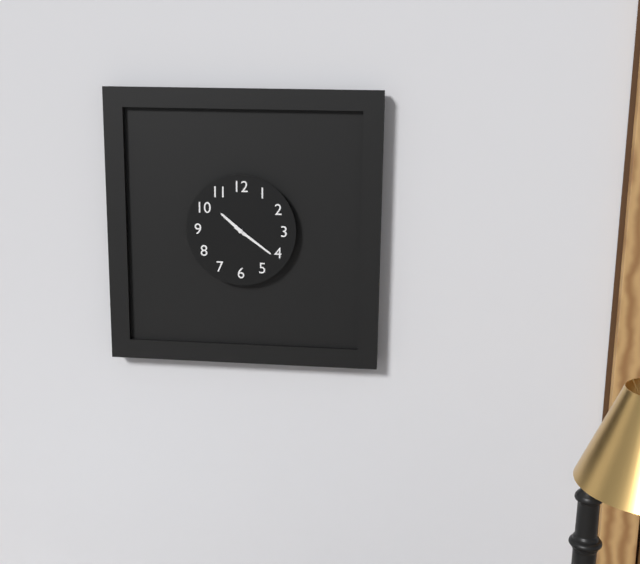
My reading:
10 h 21 min
